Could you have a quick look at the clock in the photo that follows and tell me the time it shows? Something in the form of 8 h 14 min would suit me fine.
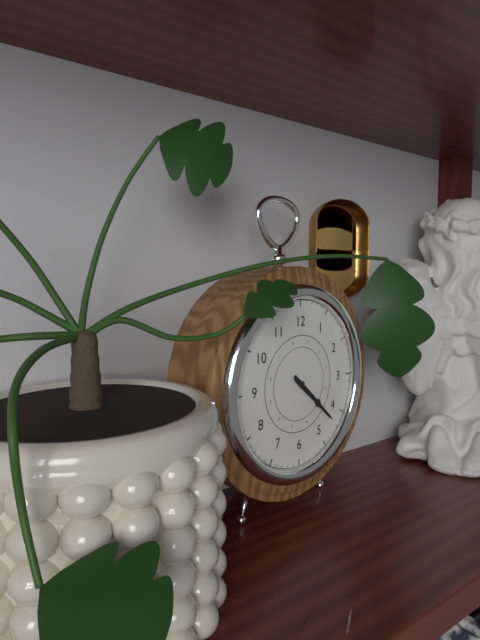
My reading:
4 h 22 min
